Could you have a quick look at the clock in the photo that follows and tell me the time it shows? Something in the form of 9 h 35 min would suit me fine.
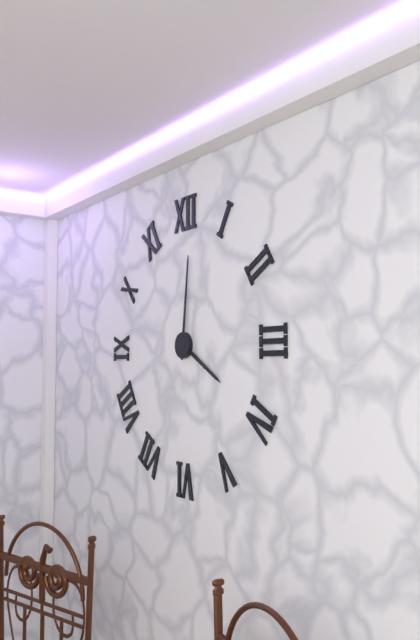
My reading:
4 h 01 min
